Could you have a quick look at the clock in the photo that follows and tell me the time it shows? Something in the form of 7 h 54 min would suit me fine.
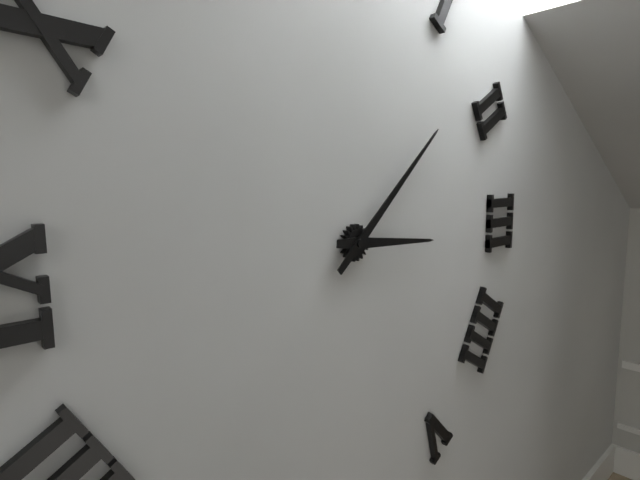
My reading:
3 h 08 min
